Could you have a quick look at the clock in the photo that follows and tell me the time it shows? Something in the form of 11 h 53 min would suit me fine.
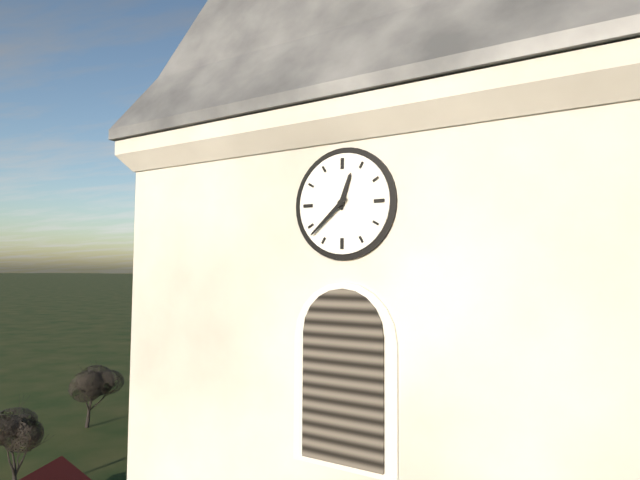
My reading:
12 h 38 min
